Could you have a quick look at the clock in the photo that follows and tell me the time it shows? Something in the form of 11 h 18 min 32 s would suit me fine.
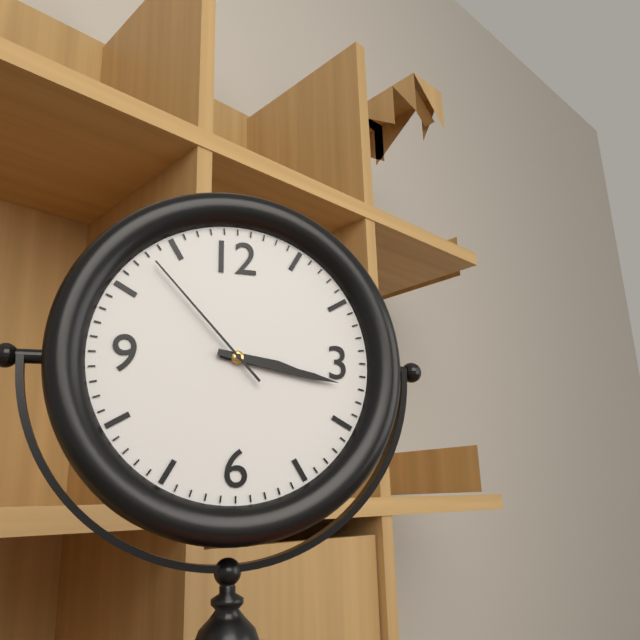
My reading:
3 h 17 min 53 s
